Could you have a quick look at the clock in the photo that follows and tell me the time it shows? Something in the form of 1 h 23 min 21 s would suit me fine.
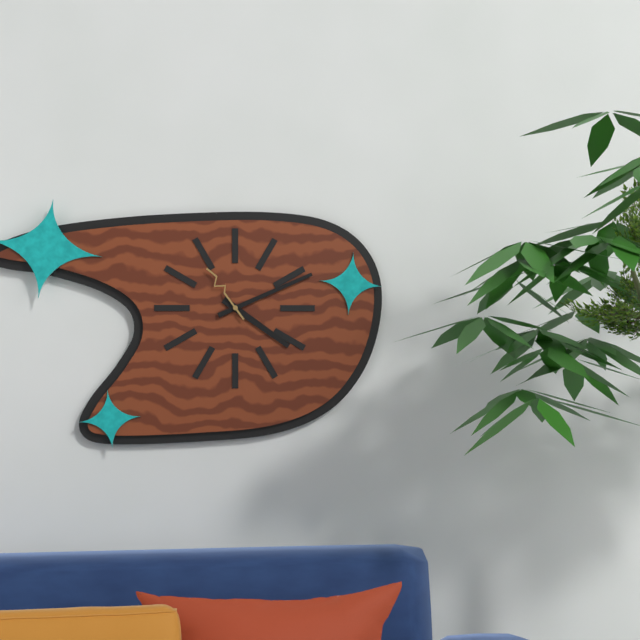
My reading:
4 h 11 min 54 s
